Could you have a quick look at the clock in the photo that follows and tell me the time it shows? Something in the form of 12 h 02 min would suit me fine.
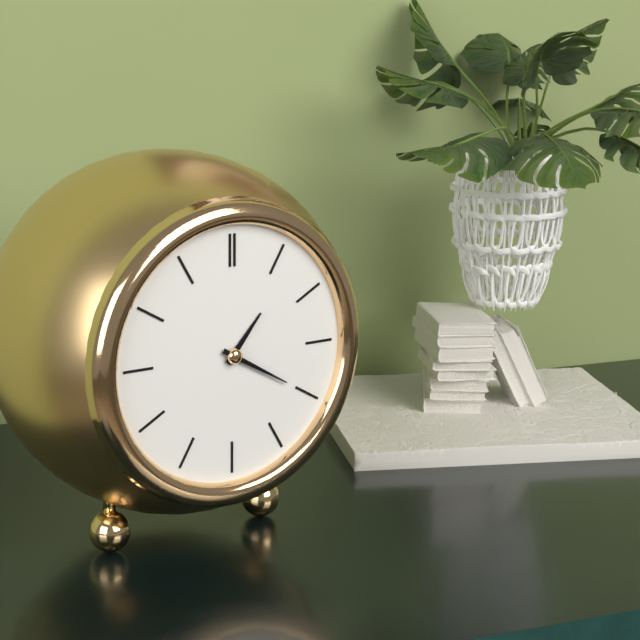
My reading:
1 h 20 min
